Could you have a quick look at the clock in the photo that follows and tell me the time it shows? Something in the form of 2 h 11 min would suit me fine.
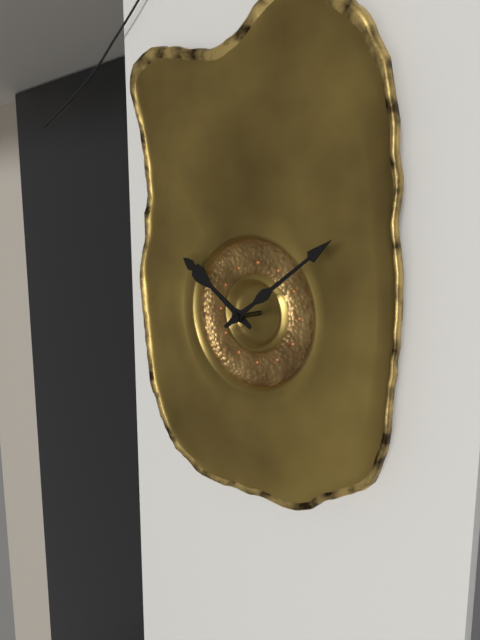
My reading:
10 h 09 min
